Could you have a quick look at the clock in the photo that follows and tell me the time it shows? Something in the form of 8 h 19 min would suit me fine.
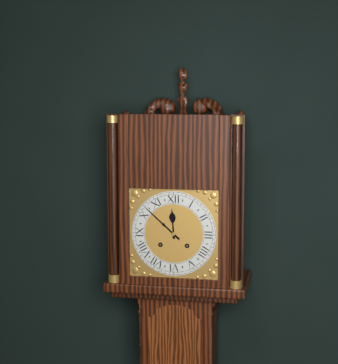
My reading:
11 h 52 min
